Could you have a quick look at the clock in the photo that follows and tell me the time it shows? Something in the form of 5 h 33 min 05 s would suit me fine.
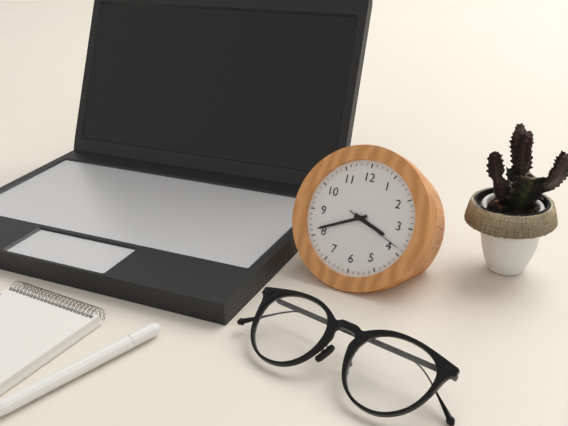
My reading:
3 h 41 min 19 s
